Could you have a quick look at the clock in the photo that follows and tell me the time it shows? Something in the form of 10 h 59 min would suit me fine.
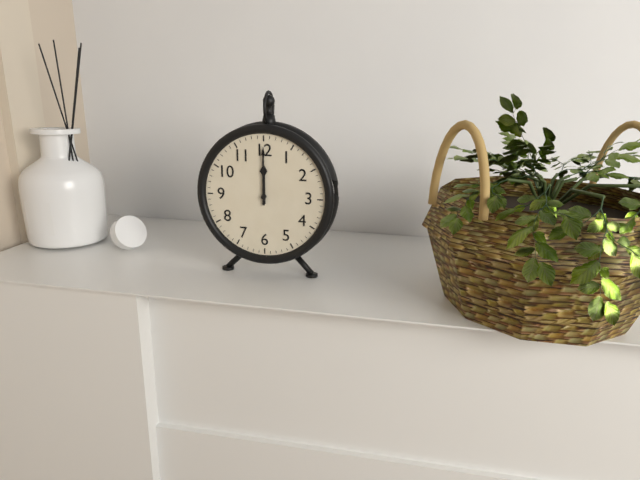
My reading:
12 h 00 min
